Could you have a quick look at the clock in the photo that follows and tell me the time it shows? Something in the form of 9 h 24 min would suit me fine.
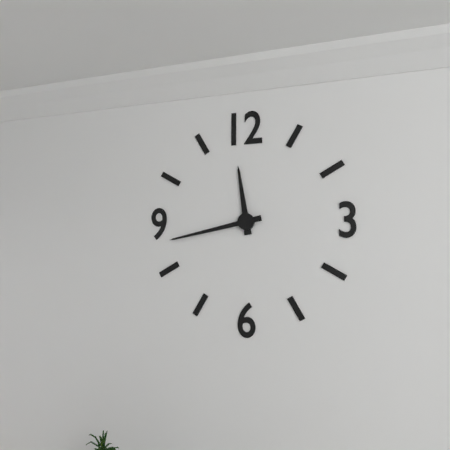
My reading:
11 h 43 min
